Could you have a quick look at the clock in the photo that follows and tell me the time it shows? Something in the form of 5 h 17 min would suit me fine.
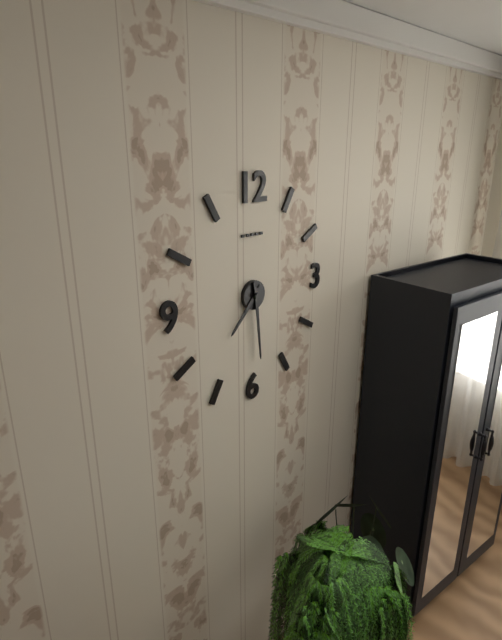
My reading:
7 h 29 min
